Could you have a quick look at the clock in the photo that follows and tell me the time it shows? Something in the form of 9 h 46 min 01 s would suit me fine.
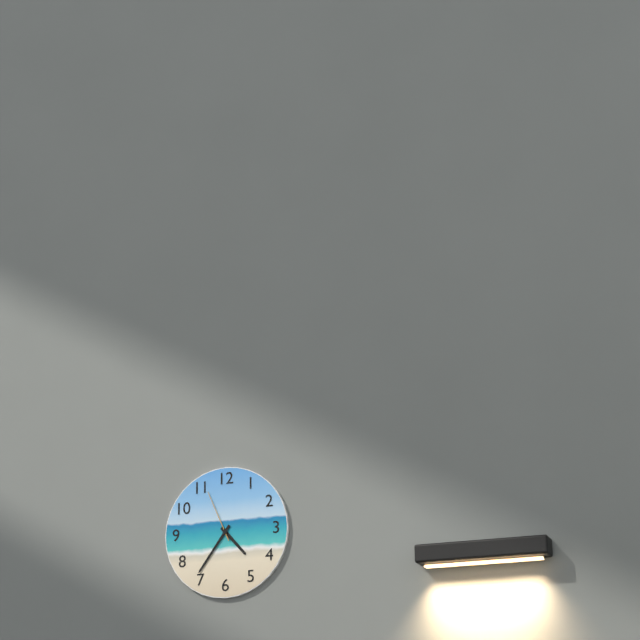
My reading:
4 h 36 min 56 s
